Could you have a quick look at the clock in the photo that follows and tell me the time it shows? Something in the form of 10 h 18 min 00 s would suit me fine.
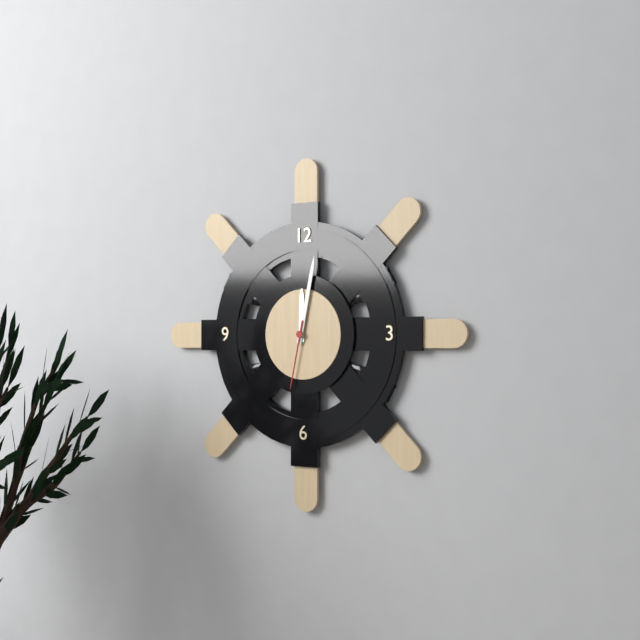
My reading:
12 h 02 min 32 s
